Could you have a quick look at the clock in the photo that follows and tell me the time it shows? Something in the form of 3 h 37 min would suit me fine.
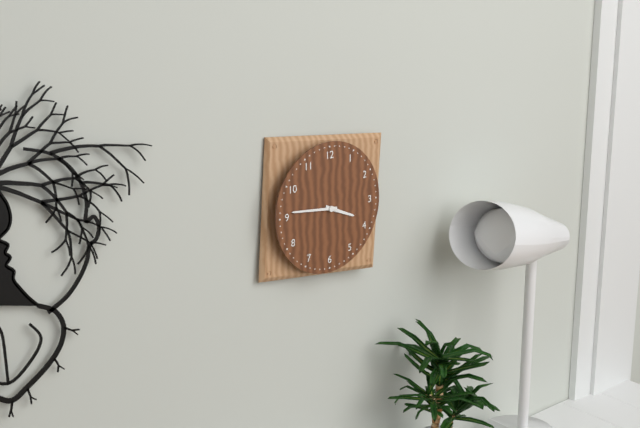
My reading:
3 h 46 min
